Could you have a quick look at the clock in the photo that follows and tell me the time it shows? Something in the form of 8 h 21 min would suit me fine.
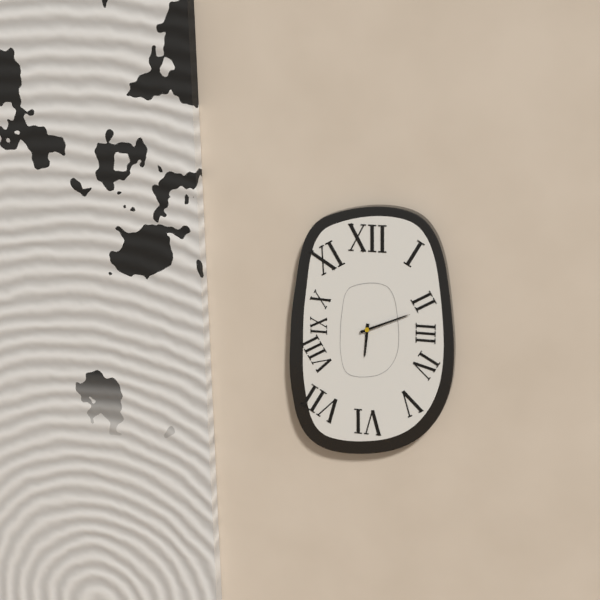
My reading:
6 h 11 min
